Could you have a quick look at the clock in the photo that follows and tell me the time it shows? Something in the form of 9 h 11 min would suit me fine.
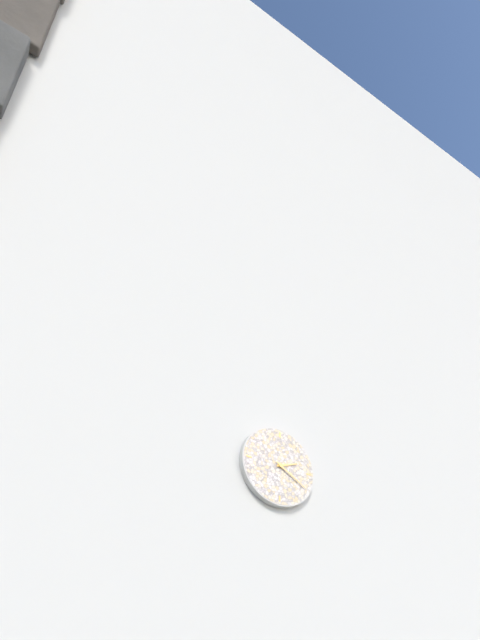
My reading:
2 h 20 min
